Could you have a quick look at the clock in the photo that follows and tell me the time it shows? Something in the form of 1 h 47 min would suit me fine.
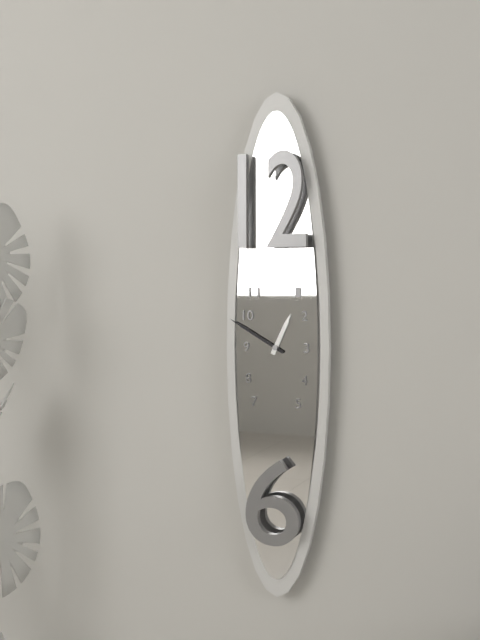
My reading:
12 h 50 min
